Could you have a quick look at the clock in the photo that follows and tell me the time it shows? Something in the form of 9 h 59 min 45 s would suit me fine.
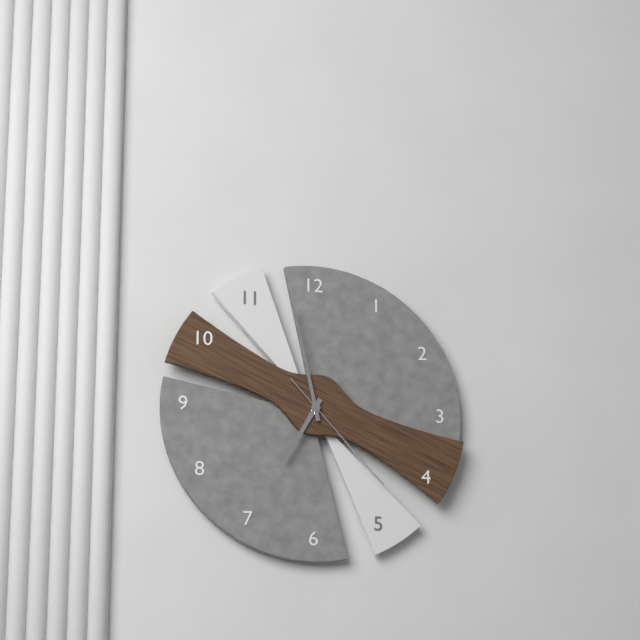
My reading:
6 h 58 min 23 s
